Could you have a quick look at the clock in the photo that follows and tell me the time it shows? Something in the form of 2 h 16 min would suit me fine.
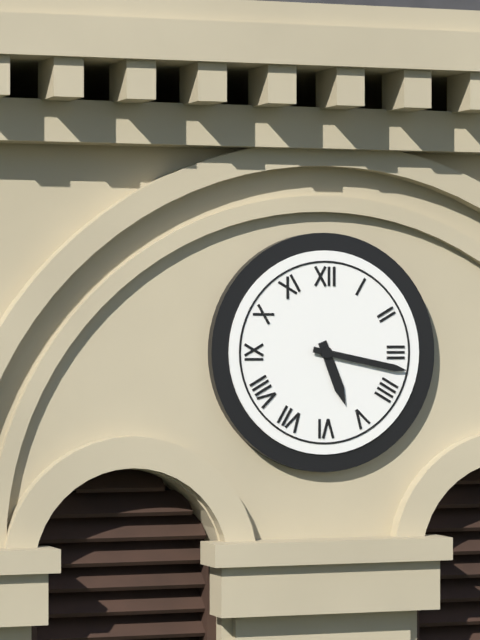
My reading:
5 h 17 min
